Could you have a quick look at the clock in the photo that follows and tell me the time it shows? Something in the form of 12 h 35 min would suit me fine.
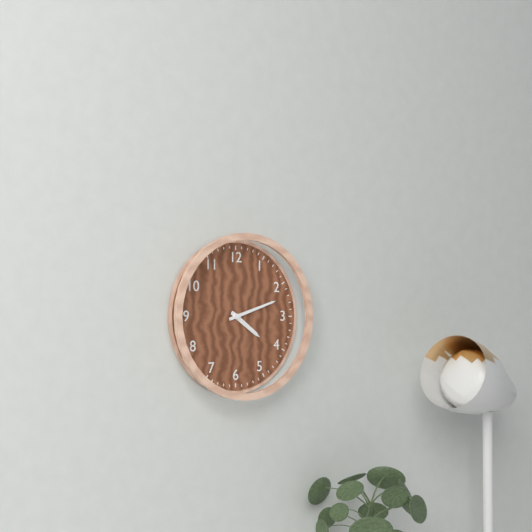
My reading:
4 h 12 min
